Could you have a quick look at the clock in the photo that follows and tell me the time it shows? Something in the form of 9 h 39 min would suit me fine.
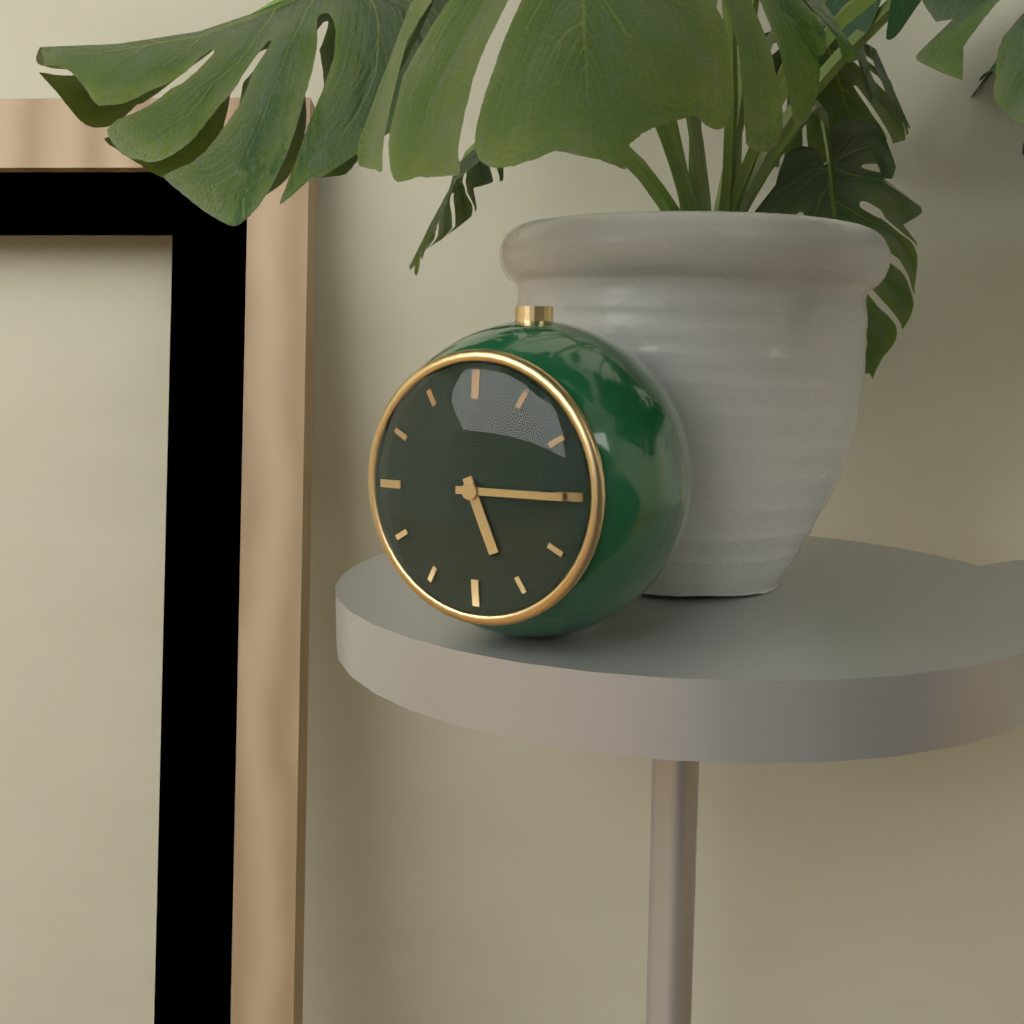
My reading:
5 h 15 min
